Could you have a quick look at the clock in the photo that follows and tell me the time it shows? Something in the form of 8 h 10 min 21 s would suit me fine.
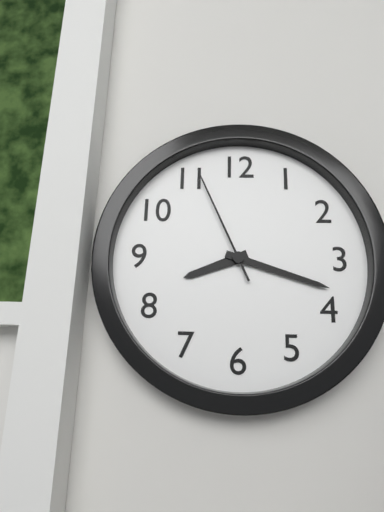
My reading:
8 h 18 min 56 s
